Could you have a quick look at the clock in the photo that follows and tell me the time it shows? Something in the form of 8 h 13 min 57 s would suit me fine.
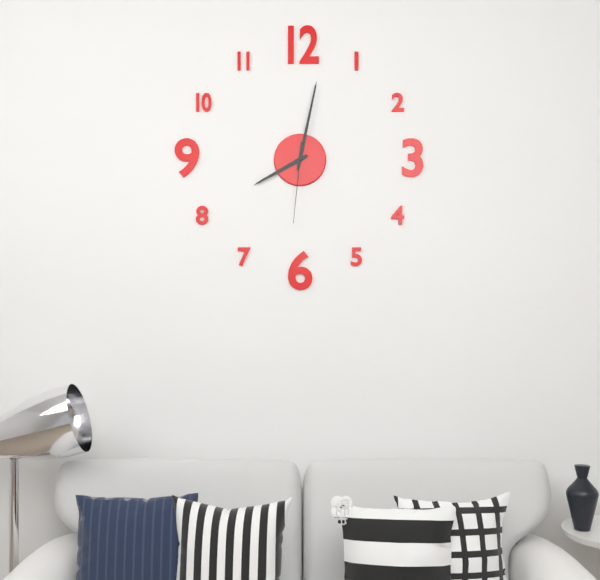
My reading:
8 h 02 min 31 s
